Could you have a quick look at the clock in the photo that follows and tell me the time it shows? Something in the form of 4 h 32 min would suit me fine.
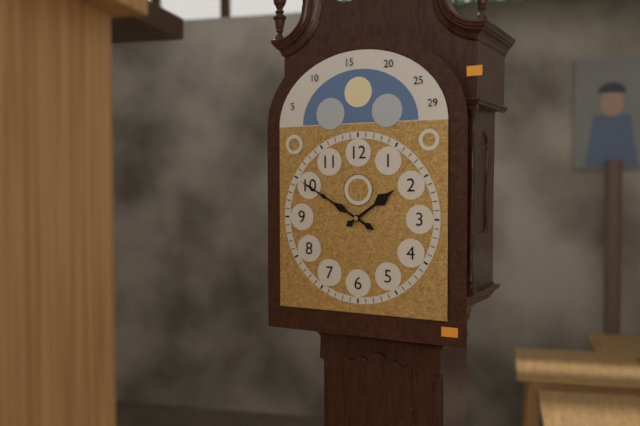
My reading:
1 h 50 min
